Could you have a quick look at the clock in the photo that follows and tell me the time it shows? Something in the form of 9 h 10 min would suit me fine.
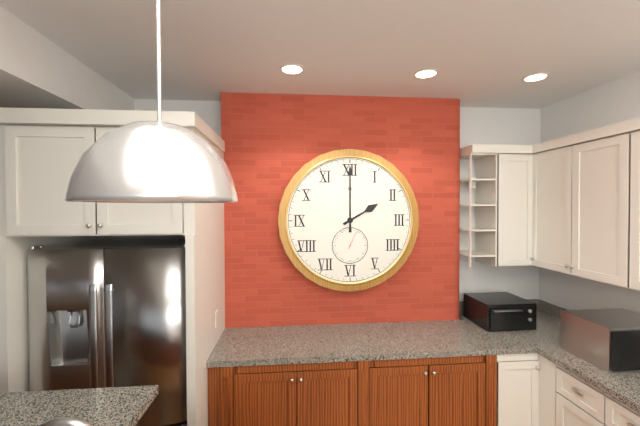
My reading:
2 h 00 min
